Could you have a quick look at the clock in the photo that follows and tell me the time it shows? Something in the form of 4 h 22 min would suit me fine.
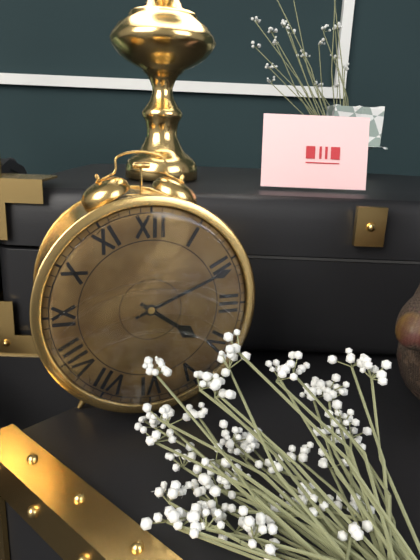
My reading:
4 h 11 min
